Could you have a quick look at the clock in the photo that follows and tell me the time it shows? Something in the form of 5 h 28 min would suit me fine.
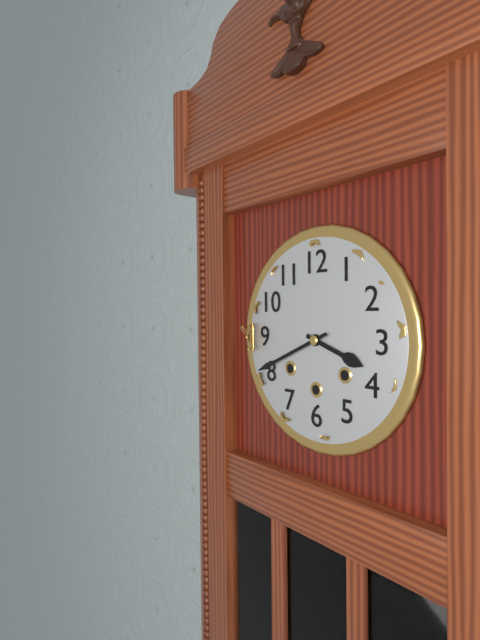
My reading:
3 h 41 min
